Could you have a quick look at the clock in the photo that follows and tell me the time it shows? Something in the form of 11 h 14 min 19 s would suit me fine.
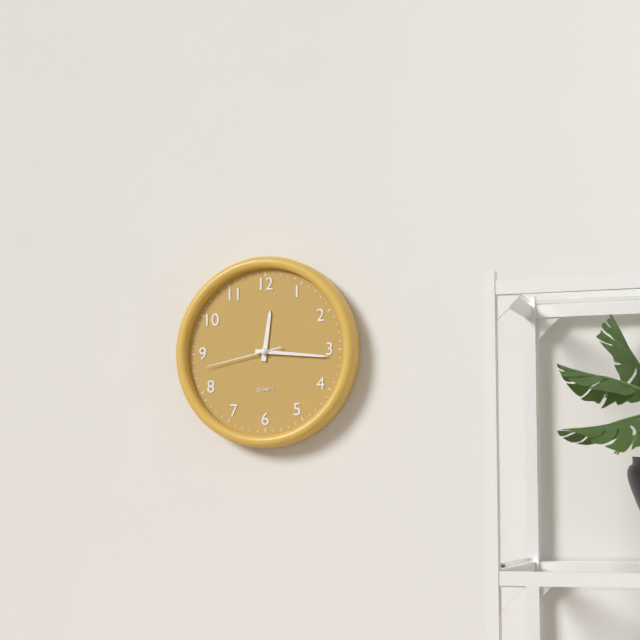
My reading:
12 h 16 min 43 s
